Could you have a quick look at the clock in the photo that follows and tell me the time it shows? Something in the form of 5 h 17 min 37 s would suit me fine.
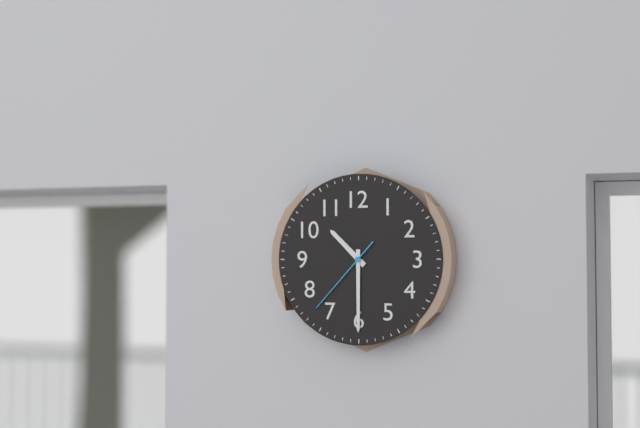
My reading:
10 h 30 min 37 s
